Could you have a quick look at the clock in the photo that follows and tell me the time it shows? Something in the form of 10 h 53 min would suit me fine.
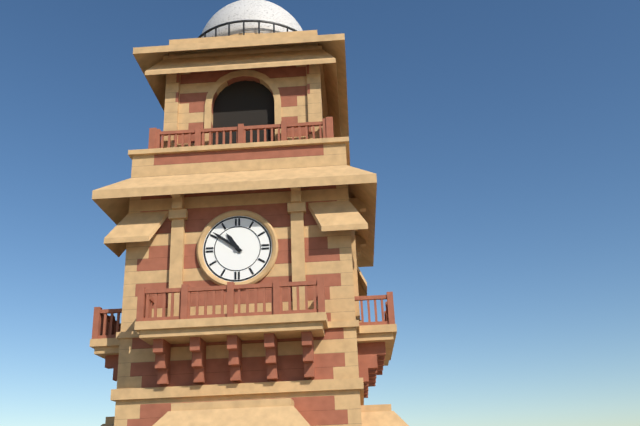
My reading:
10 h 51 min
